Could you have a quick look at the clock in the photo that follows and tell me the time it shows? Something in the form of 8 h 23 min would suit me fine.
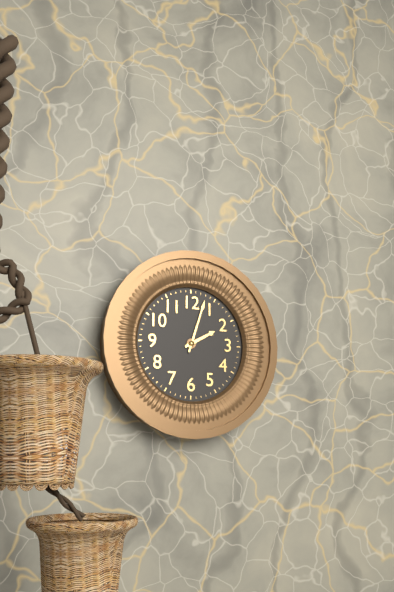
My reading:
2 h 03 min
